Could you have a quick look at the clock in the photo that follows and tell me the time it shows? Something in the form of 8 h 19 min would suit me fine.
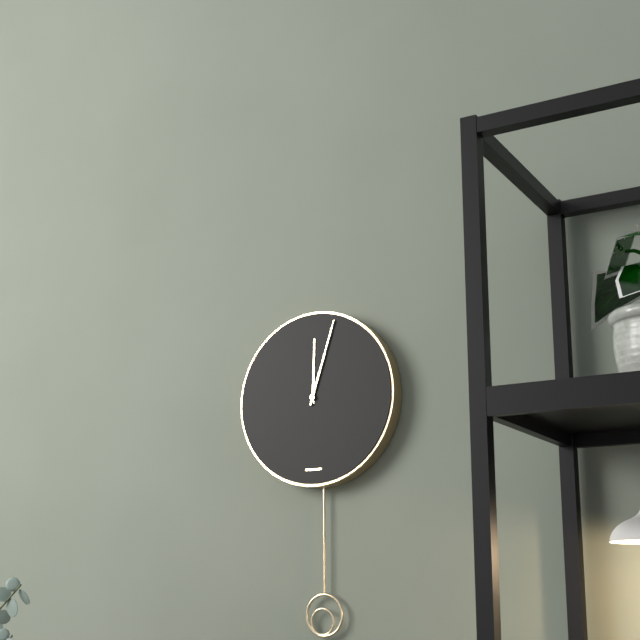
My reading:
12 h 03 min
